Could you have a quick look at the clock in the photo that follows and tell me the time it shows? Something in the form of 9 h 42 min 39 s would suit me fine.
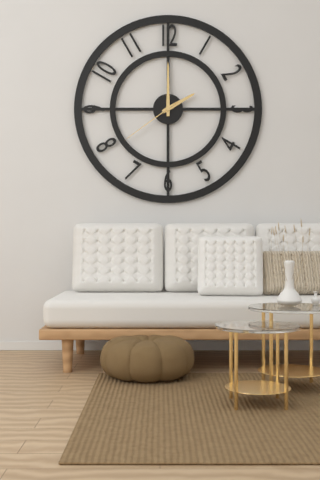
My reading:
2 h 00 min 39 s
